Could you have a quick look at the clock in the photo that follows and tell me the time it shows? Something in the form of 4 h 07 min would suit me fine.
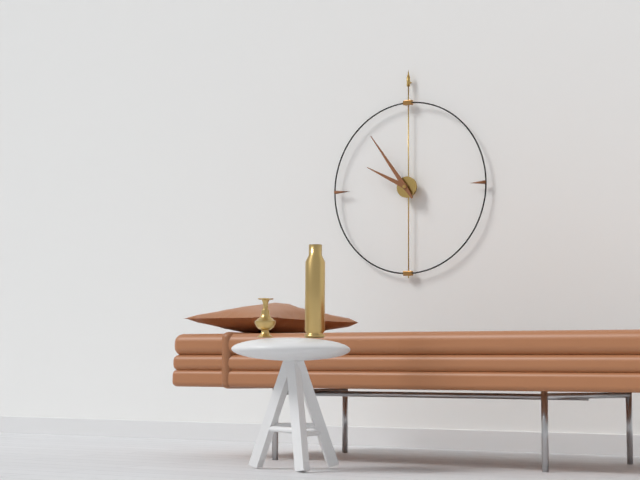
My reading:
9 h 54 min
